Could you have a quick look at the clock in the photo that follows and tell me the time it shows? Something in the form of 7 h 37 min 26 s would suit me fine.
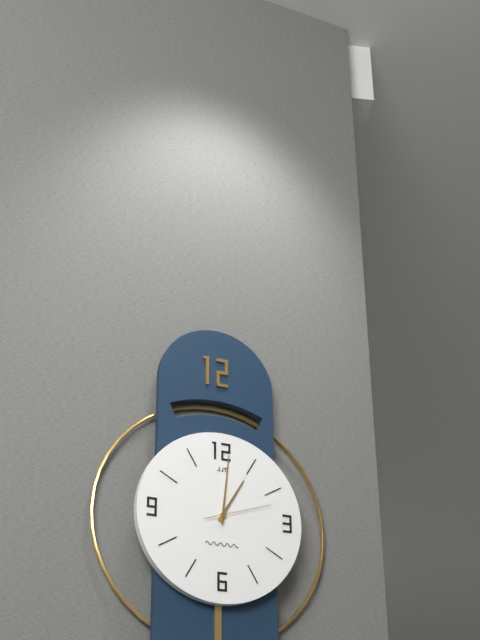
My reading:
1 h 01 min 12 s
